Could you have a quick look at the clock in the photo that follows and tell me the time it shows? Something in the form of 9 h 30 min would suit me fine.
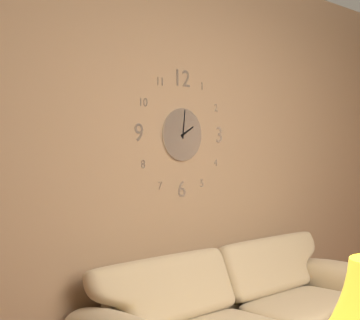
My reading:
2 h 01 min
